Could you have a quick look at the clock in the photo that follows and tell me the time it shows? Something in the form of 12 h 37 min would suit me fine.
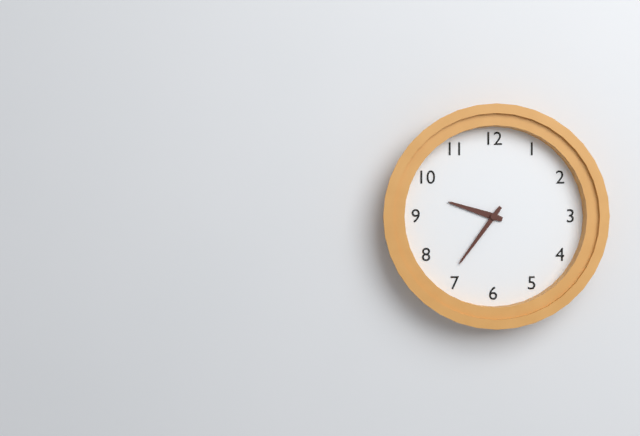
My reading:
9 h 36 min
